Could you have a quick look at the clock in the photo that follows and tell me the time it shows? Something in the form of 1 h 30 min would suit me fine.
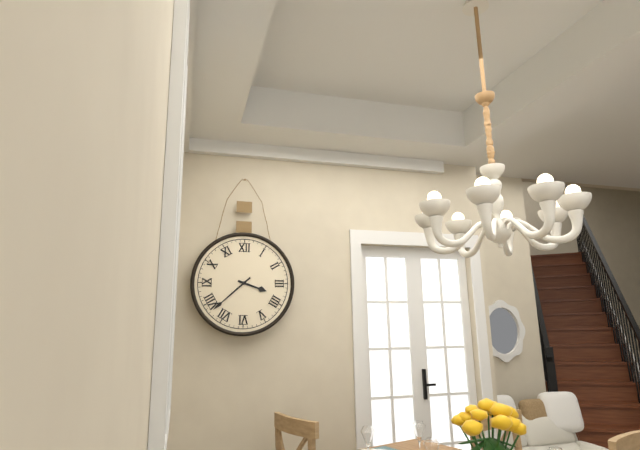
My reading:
3 h 38 min
